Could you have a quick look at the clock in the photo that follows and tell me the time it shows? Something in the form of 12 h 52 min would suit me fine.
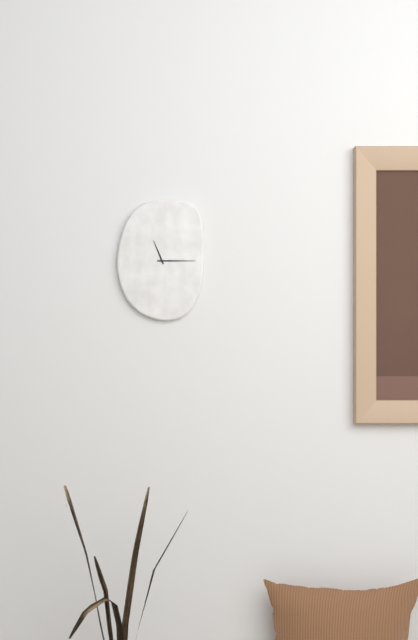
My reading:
11 h 15 min
